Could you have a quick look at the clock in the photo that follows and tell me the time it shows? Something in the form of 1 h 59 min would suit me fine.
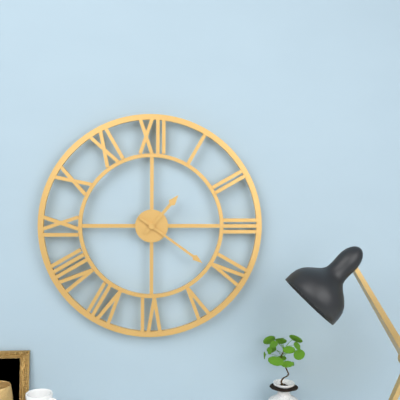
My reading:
1 h 21 min
